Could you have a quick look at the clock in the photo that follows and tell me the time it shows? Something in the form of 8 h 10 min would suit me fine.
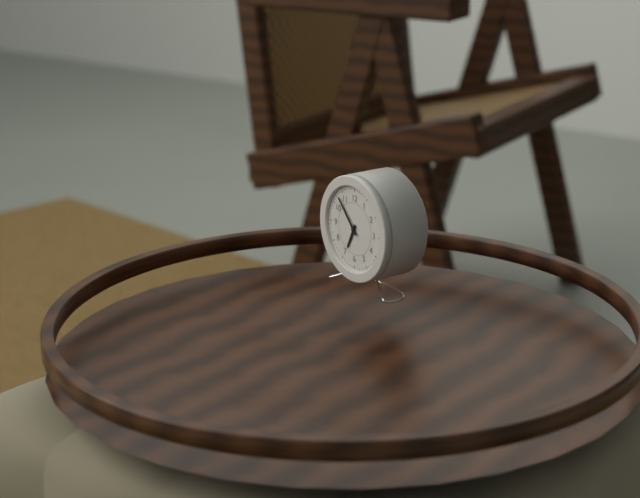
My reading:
6 h 53 min
